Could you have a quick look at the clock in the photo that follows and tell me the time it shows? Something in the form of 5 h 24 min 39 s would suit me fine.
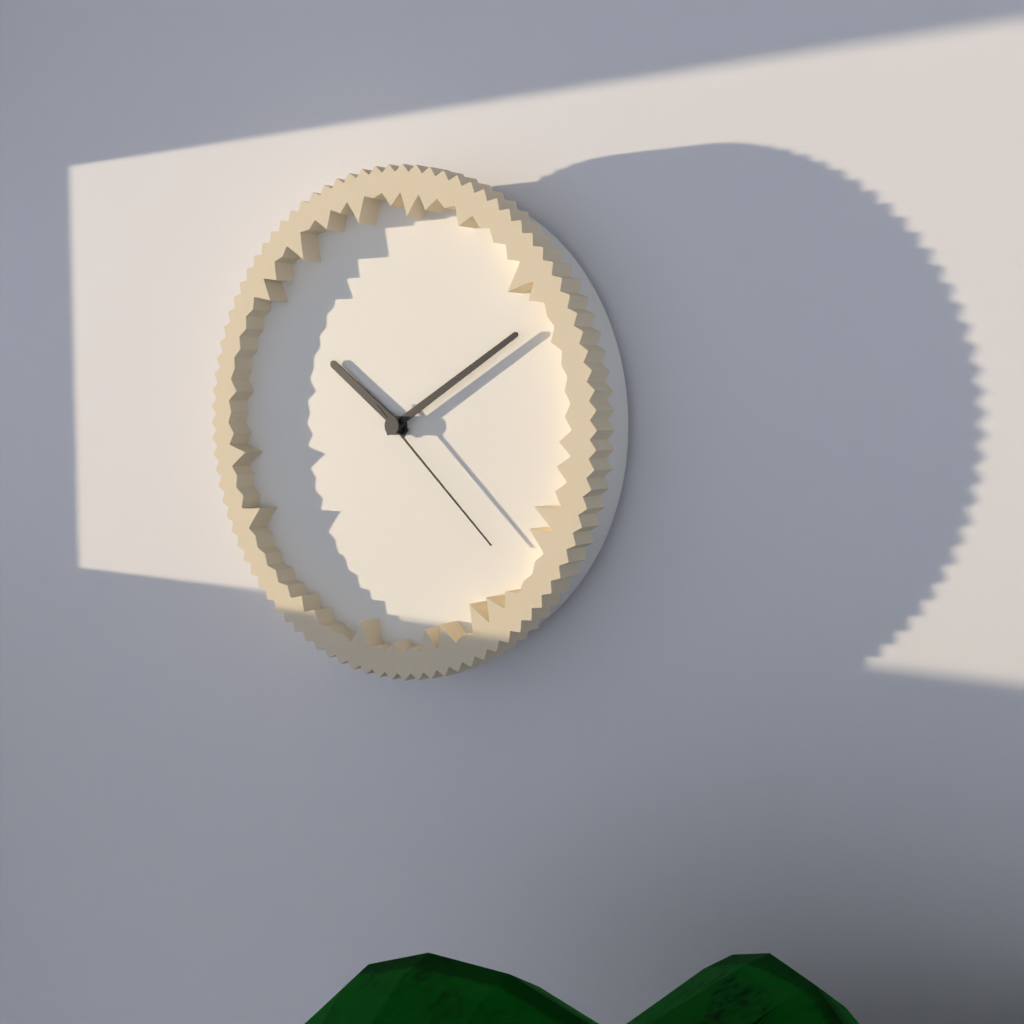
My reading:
10 h 10 min 22 s
